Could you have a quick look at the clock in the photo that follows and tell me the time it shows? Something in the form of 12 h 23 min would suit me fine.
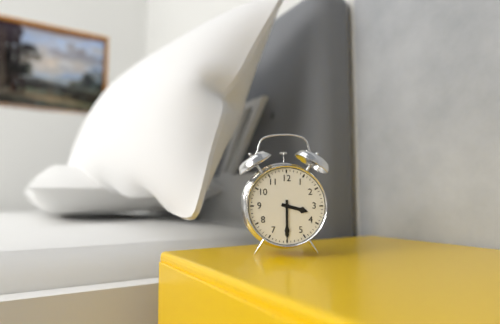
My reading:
3 h 30 min
